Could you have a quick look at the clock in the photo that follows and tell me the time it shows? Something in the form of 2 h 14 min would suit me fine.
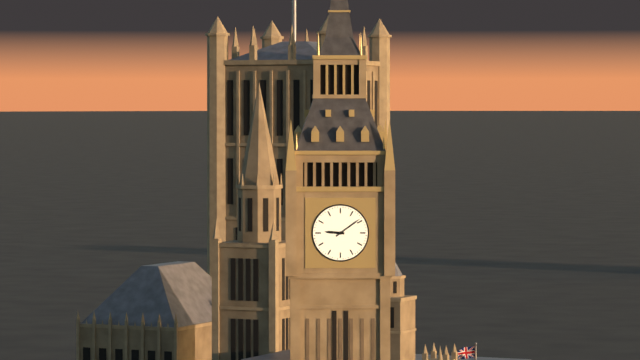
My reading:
9 h 09 min
